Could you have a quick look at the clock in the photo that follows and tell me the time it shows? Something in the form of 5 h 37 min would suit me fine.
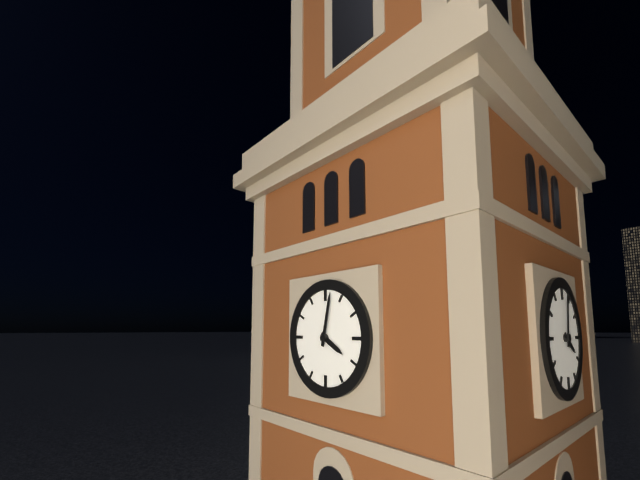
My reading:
4 h 02 min
